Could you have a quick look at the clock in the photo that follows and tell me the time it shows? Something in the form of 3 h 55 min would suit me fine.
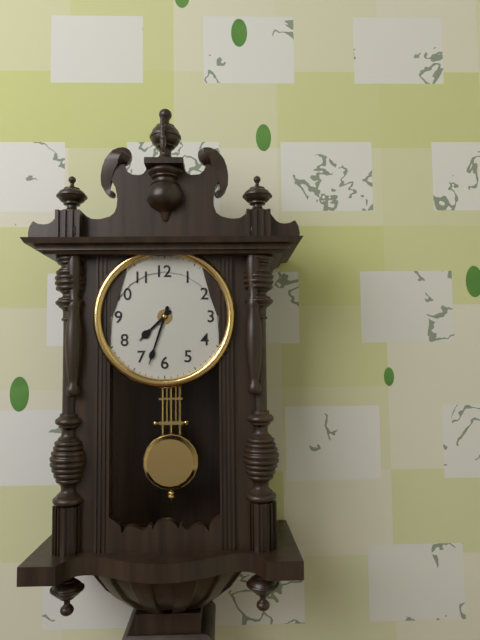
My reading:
7 h 33 min
